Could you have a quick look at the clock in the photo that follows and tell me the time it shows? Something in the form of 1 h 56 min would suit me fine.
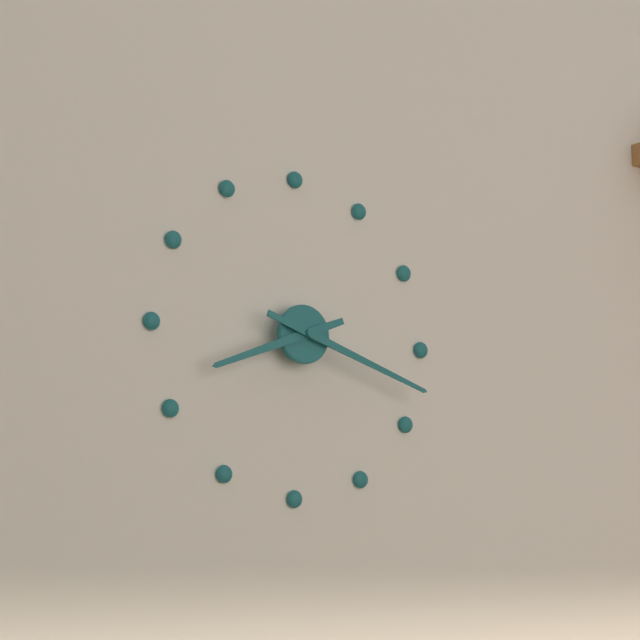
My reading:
8 h 18 min
